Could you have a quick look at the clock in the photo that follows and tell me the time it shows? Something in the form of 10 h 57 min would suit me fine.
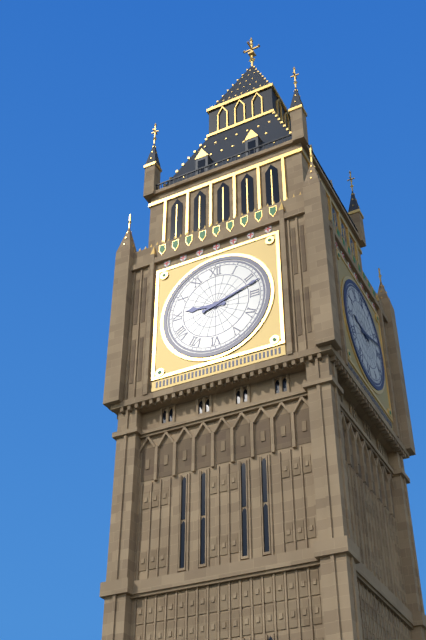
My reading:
9 h 12 min
